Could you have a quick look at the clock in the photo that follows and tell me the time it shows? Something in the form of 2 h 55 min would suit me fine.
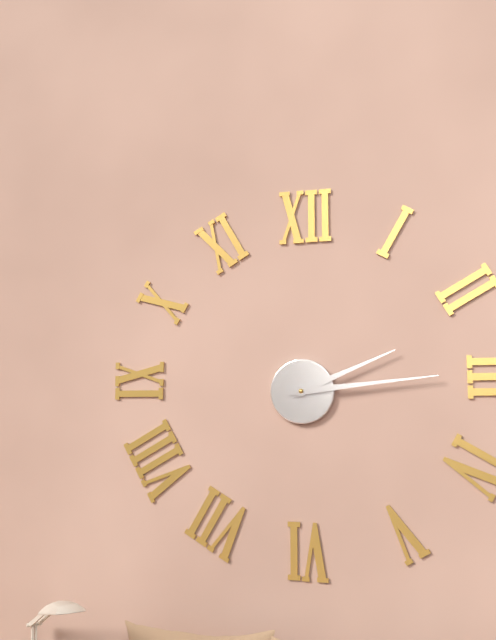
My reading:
2 h 14 min
